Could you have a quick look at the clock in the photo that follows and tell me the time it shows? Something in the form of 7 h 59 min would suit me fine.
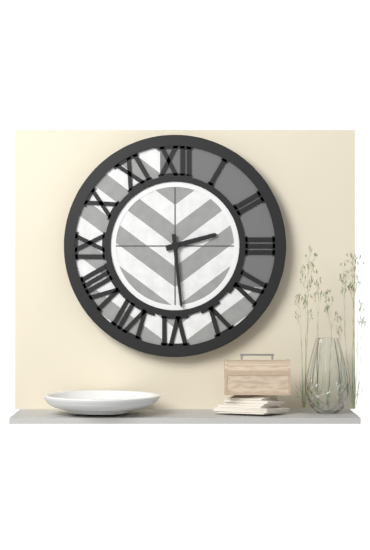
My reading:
2 h 29 min
